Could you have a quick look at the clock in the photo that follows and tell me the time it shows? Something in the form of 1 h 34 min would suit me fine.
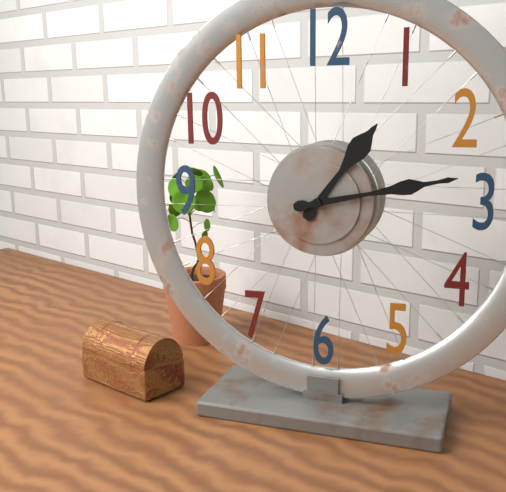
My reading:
1 h 13 min
